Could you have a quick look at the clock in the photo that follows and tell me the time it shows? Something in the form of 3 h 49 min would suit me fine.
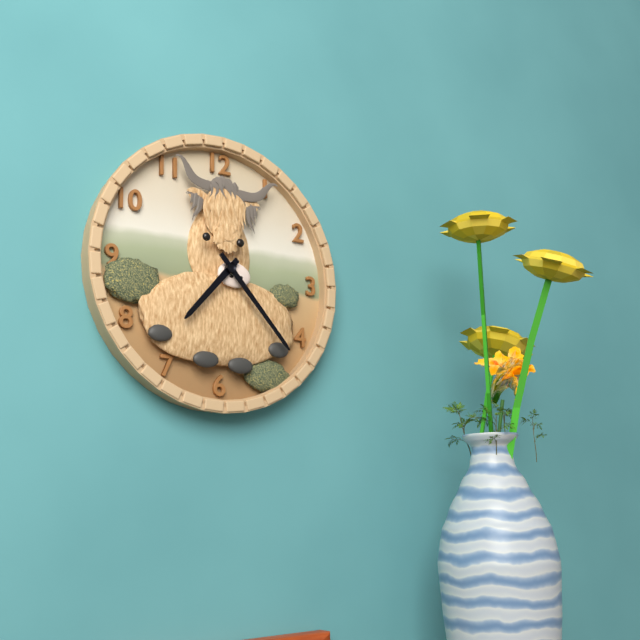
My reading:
7 h 23 min
